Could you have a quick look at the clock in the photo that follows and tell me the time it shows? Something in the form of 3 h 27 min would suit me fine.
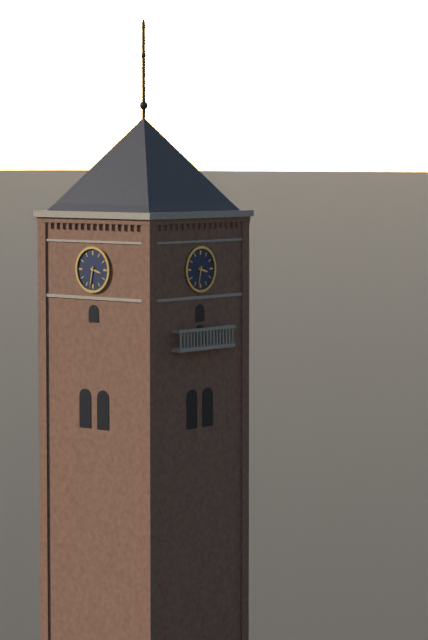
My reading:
3 h 32 min
